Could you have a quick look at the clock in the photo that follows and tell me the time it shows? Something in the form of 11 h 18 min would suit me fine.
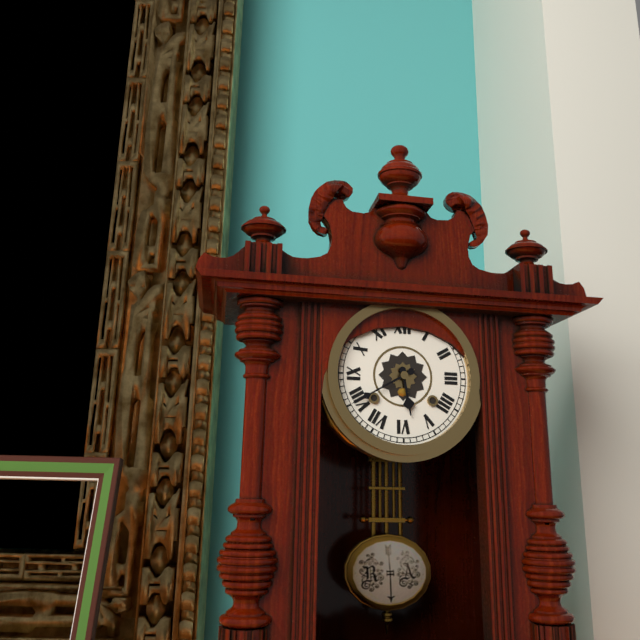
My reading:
5 h 40 min
